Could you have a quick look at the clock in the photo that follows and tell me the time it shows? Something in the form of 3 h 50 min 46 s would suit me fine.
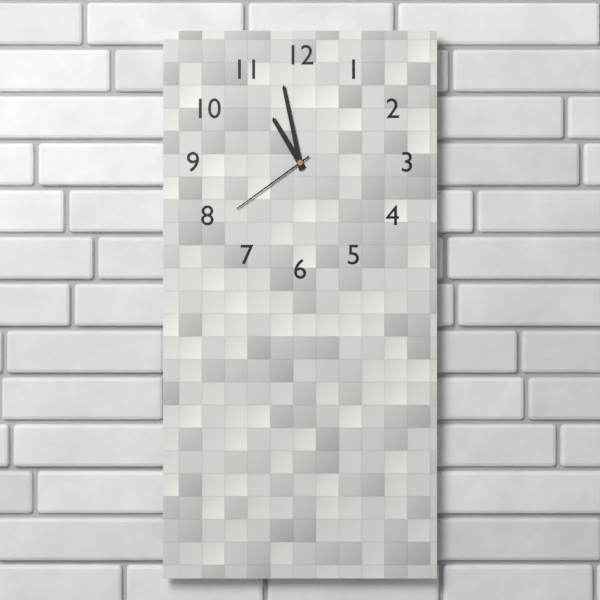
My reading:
10 h 58 min 39 s
